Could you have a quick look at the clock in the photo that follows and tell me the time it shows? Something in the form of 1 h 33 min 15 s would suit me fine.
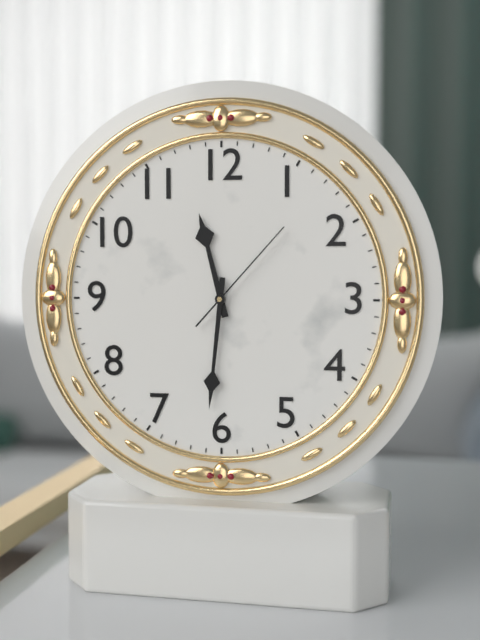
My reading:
11 h 31 min 07 s
